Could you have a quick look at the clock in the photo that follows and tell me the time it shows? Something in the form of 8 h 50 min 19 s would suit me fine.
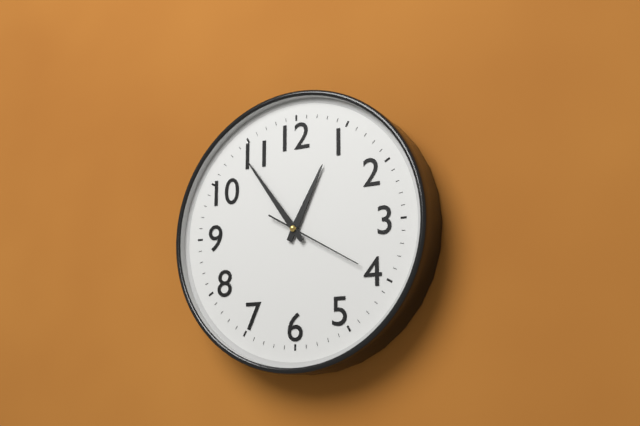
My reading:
12 h 54 min 20 s
